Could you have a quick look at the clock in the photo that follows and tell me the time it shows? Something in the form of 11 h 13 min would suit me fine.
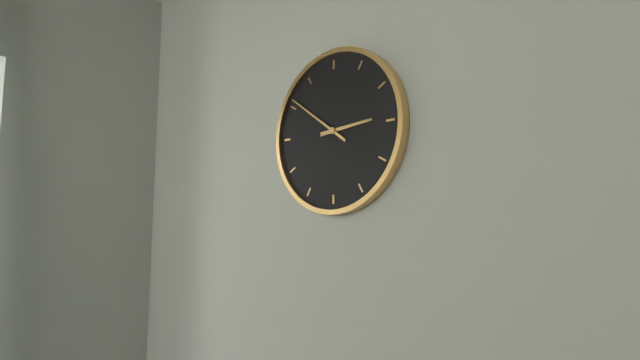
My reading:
2 h 51 min
